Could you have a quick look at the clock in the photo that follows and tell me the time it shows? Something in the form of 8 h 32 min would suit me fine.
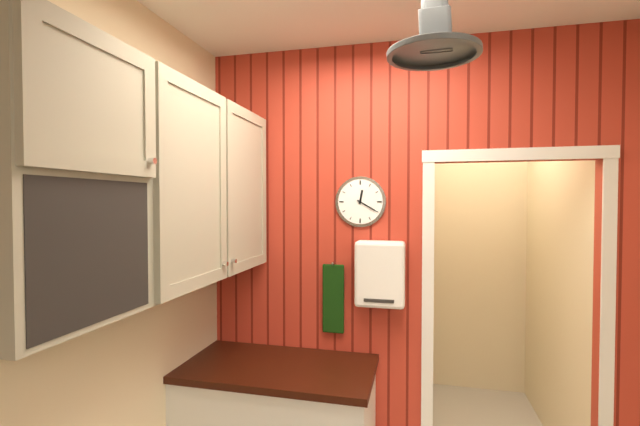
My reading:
12 h 20 min
